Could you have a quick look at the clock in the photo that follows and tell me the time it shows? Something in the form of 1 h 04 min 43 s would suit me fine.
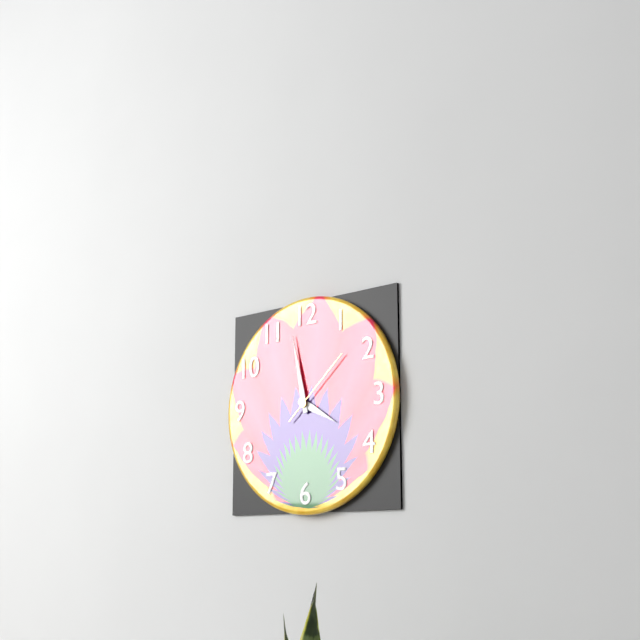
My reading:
3 h 58 min 08 s
